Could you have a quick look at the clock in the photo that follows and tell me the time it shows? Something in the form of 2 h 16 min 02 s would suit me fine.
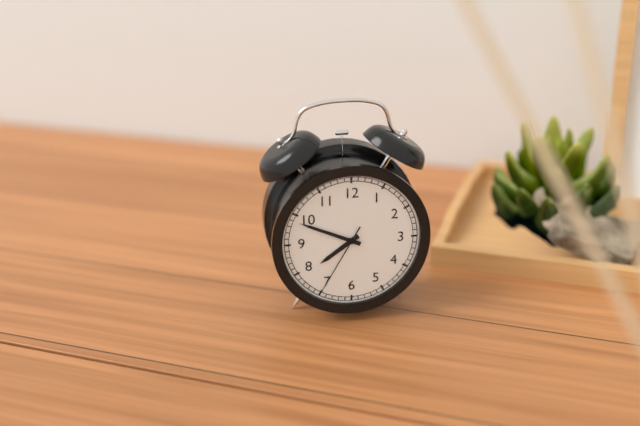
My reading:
7 h 49 min 35 s
